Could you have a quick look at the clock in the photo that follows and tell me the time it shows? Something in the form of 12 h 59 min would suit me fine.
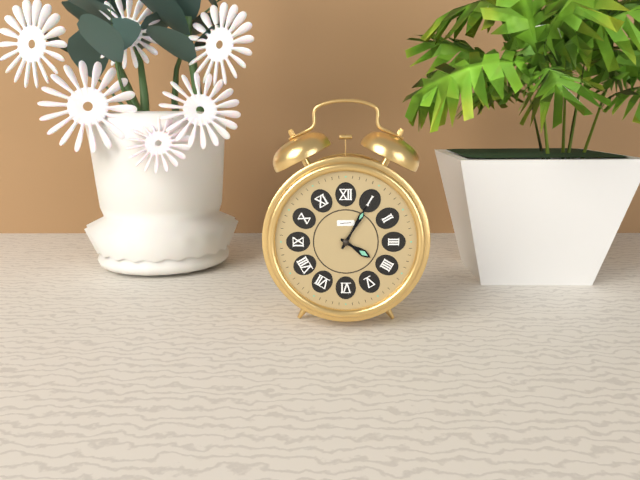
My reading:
4 h 05 min
